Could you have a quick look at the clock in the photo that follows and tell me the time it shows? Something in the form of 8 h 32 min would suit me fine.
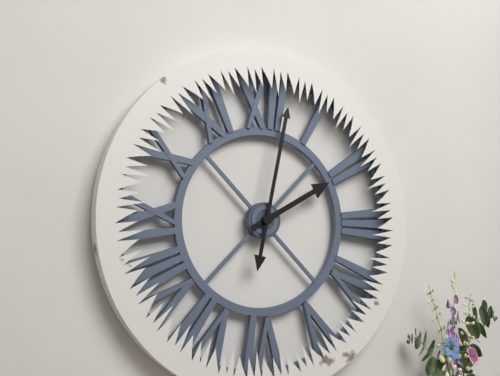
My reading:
2 h 02 min
